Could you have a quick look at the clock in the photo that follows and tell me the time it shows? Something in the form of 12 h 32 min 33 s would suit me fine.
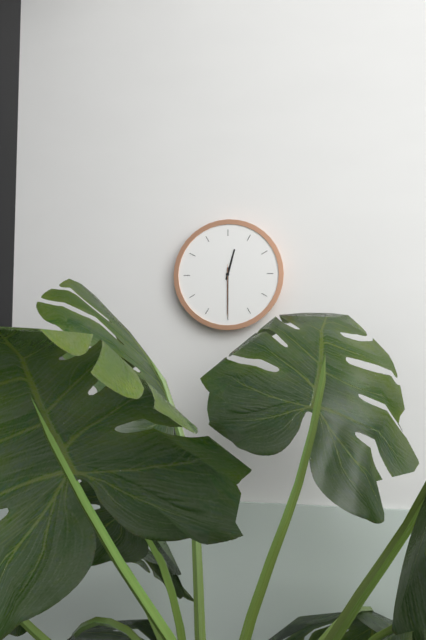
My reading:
12 h 30 min 30 s
